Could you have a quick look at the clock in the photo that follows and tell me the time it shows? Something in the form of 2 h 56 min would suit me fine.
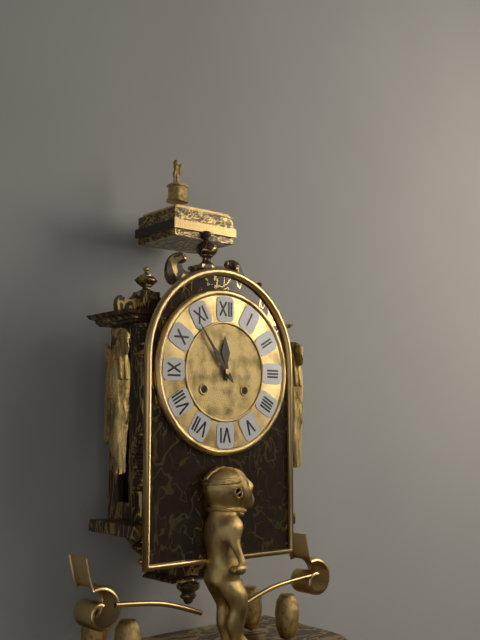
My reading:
11 h 54 min
